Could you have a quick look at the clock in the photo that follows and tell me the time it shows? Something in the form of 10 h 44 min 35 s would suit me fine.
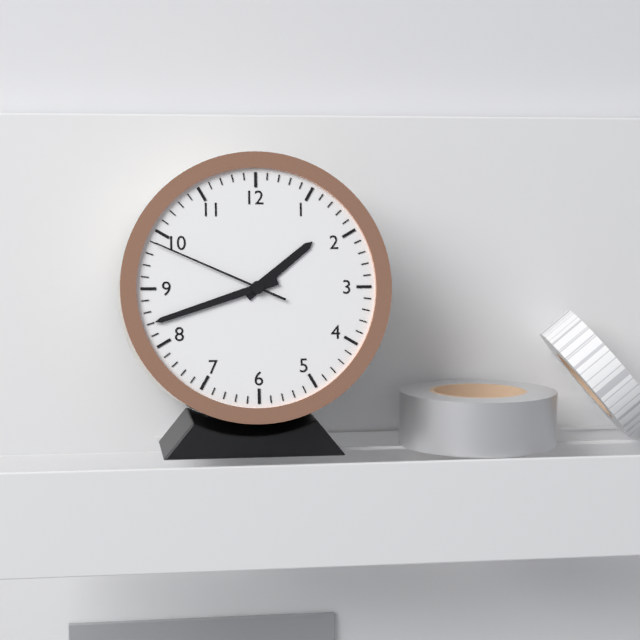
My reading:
1 h 42 min 49 s
